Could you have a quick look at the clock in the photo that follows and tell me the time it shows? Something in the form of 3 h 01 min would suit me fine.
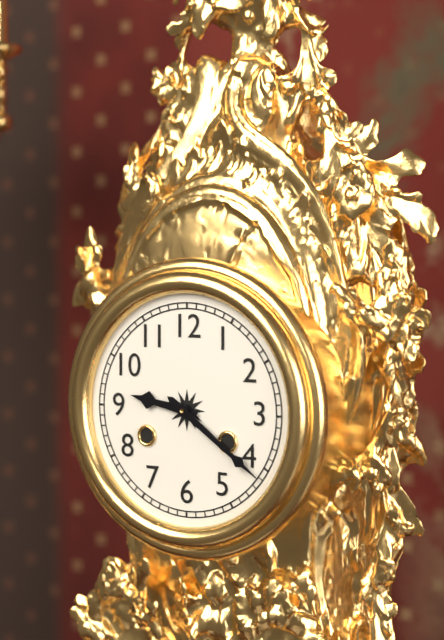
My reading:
9 h 21 min
